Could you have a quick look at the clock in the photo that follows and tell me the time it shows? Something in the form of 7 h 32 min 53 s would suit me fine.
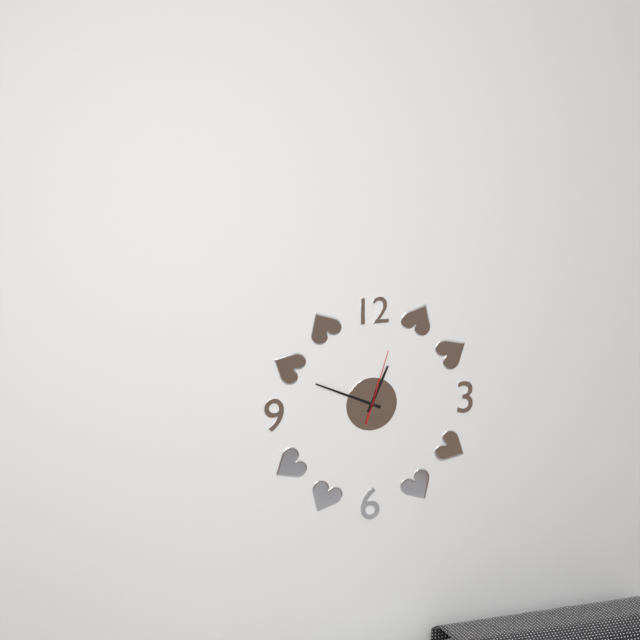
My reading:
12 h 49 min 03 s
